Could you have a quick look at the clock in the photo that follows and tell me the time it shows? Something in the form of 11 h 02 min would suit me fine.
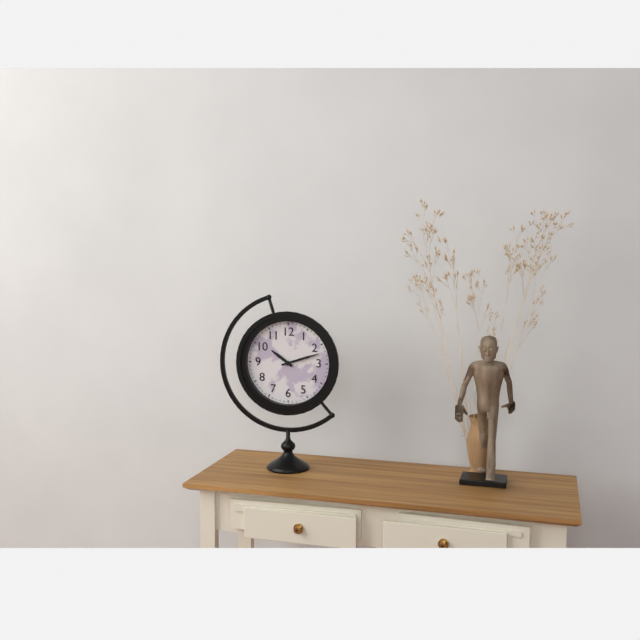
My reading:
10 h 12 min
